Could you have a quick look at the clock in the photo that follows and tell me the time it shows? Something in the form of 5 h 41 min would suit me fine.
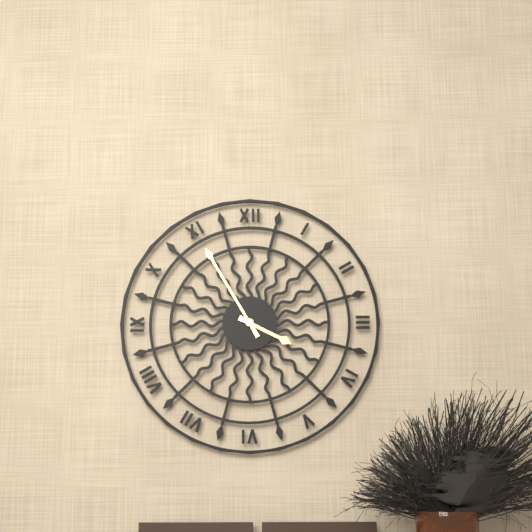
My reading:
3 h 55 min
